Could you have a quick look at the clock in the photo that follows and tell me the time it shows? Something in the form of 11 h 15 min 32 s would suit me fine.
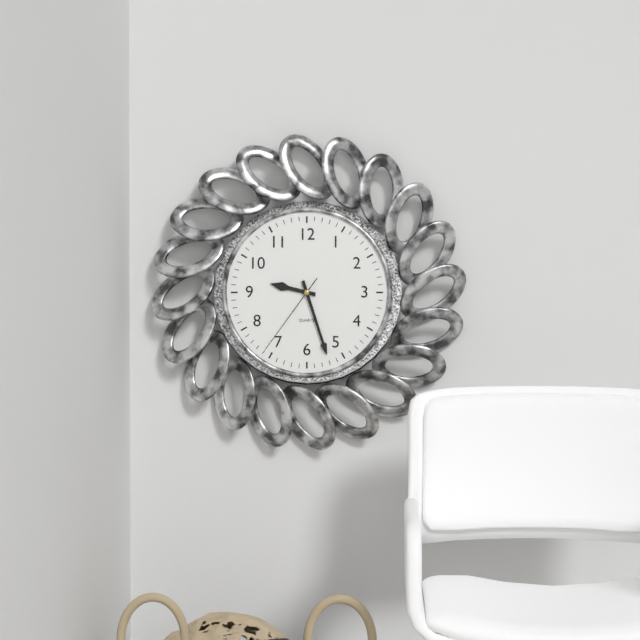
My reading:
9 h 27 min 36 s
